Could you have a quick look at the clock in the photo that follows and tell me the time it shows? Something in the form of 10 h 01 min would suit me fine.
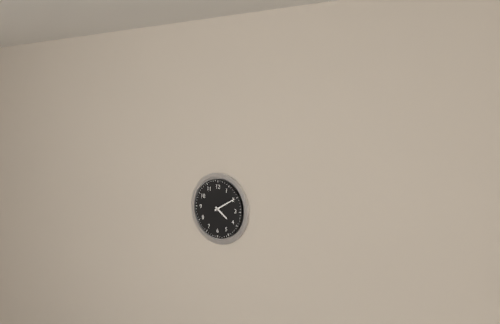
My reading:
4 h 10 min
